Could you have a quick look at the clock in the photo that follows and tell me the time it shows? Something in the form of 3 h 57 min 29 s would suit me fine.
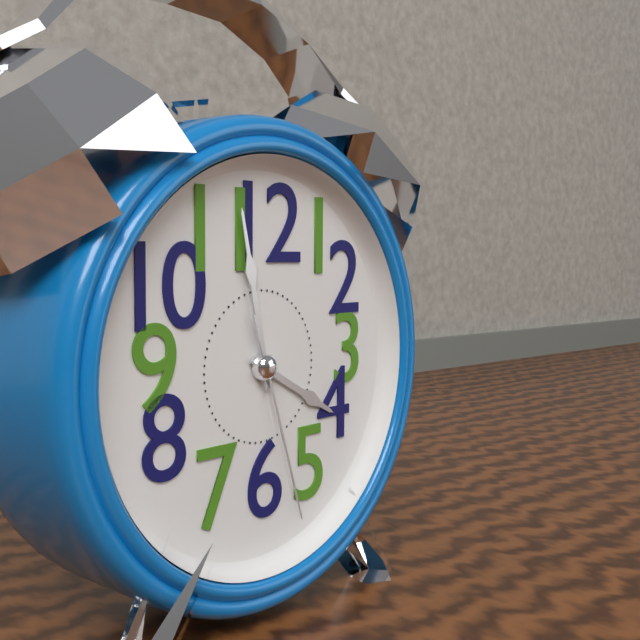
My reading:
3 h 58 min 27 s
